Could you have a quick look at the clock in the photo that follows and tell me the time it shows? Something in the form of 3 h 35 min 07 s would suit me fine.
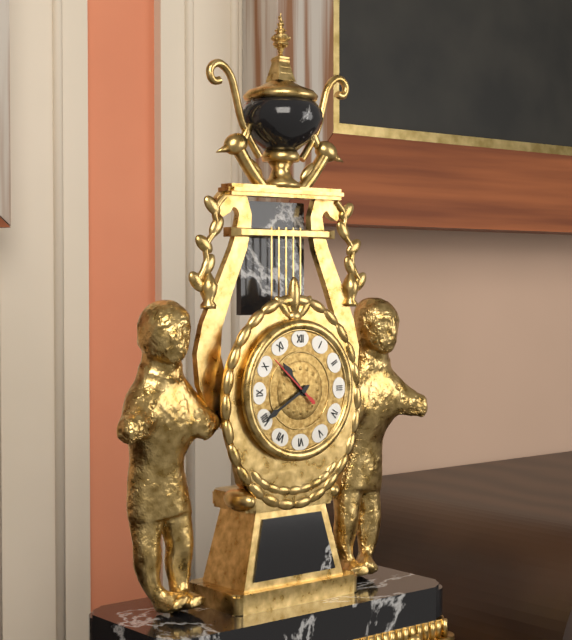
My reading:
10 h 40 min 52 s
